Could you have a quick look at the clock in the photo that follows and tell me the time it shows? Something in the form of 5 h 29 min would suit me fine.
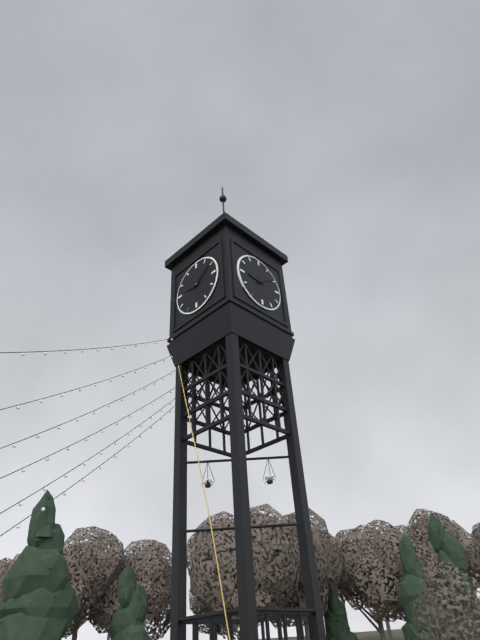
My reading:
9 h 09 min
